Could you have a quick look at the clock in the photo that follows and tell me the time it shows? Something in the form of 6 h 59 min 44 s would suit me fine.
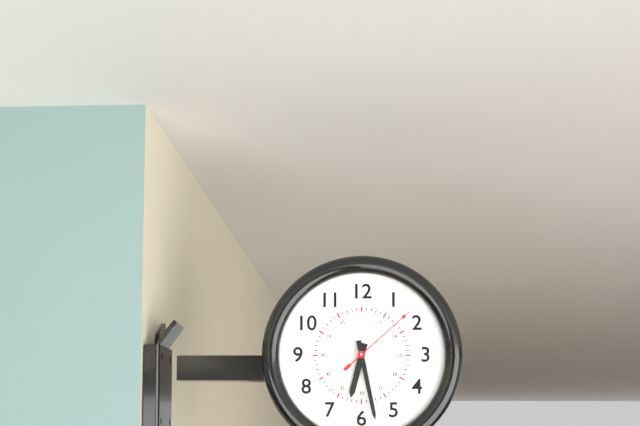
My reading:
6 h 28 min 08 s
